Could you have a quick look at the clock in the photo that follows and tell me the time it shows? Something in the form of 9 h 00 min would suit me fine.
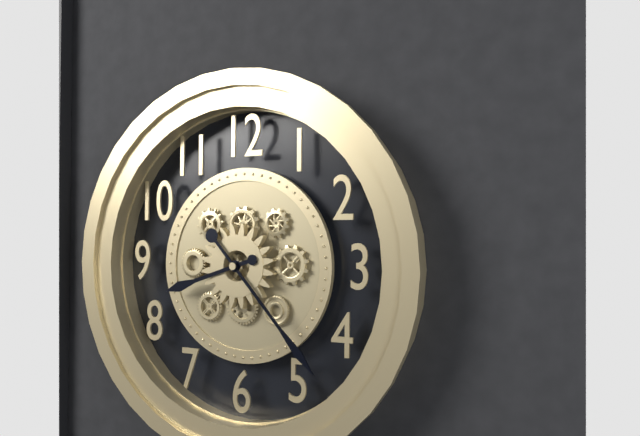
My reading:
8 h 23 min
